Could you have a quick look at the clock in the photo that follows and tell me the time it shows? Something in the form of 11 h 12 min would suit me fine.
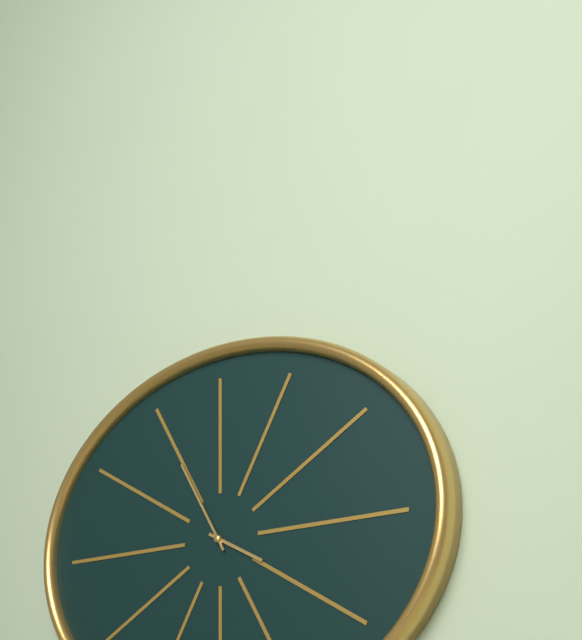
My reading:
3 h 55 min
